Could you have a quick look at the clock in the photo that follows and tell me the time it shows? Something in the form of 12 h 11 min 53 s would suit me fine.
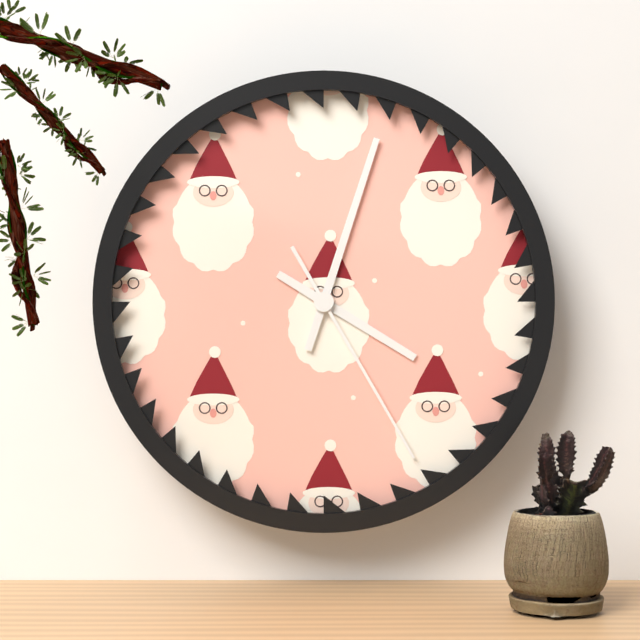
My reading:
4 h 03 min 25 s
